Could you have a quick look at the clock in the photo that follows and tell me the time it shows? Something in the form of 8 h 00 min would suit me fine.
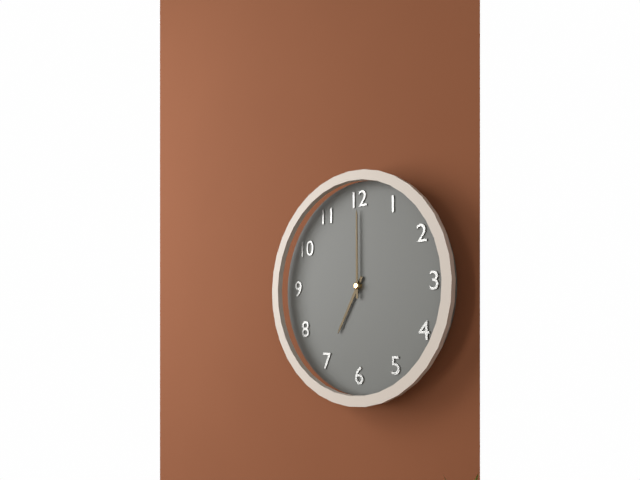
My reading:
7 h 00 min
